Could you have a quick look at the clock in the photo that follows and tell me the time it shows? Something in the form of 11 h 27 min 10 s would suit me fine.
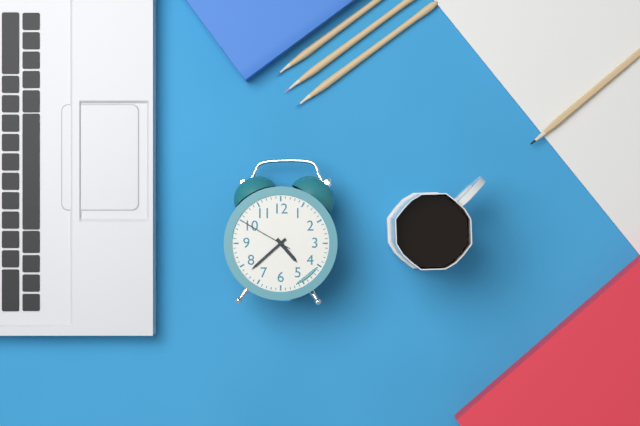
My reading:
4 h 38 min 50 s
